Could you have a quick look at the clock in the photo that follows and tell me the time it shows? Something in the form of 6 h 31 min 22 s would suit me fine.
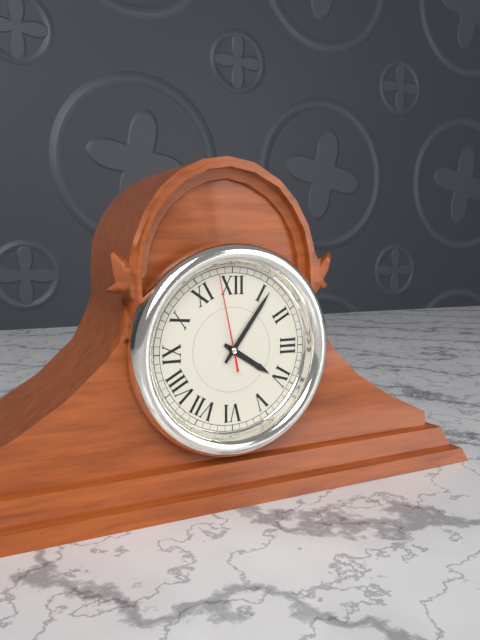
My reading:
4 h 06 min 58 s
